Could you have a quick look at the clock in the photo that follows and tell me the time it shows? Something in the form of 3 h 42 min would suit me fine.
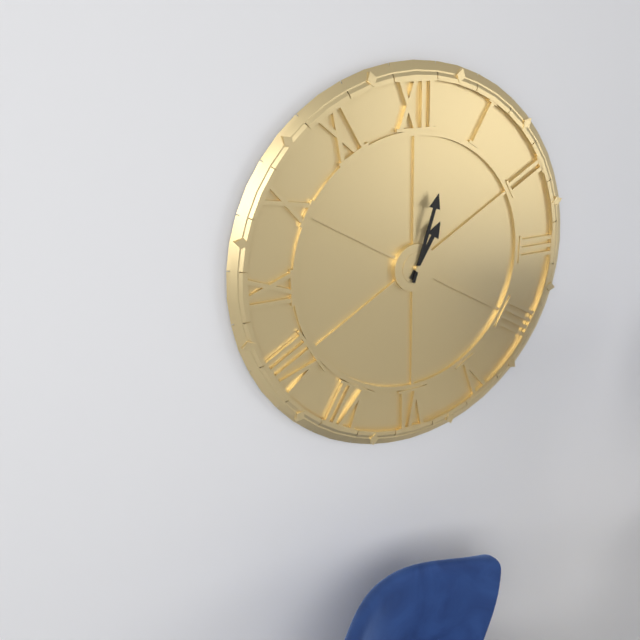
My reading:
1 h 03 min
